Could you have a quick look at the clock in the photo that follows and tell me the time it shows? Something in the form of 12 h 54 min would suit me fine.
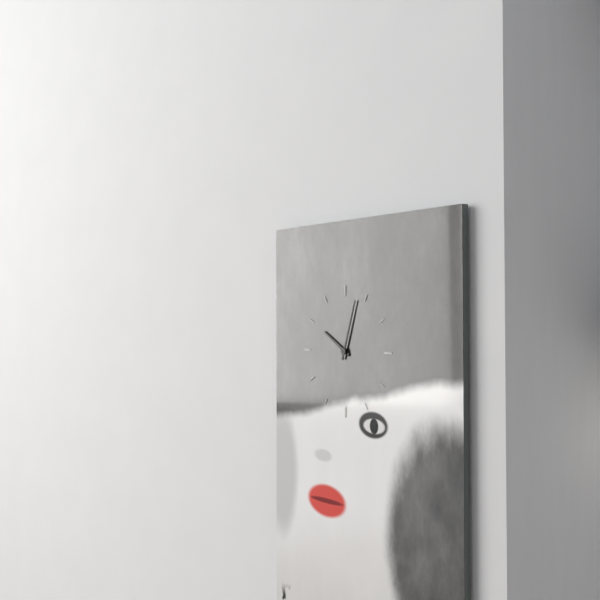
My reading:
10 h 03 min
